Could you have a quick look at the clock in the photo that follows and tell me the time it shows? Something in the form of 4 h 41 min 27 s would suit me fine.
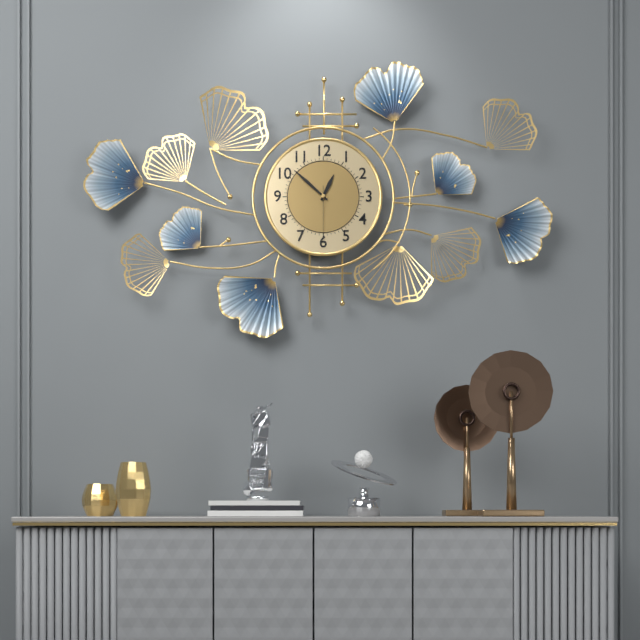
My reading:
12 h 52 min 30 s
